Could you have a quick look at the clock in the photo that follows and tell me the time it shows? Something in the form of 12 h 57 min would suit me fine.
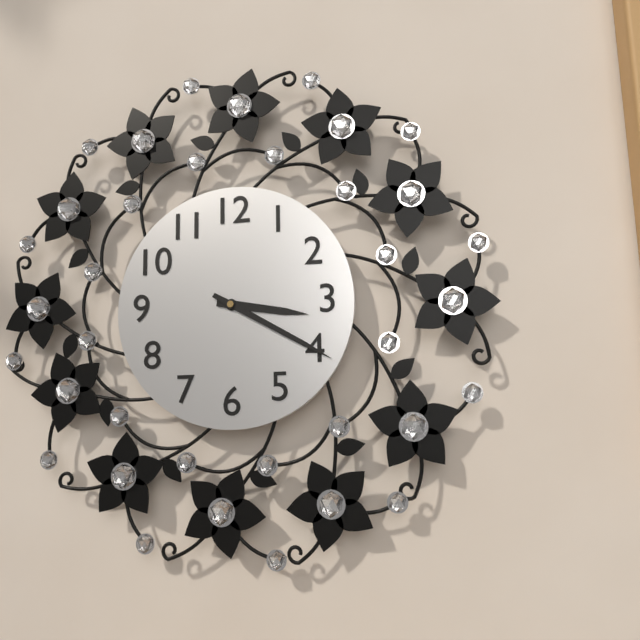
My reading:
3 h 20 min
